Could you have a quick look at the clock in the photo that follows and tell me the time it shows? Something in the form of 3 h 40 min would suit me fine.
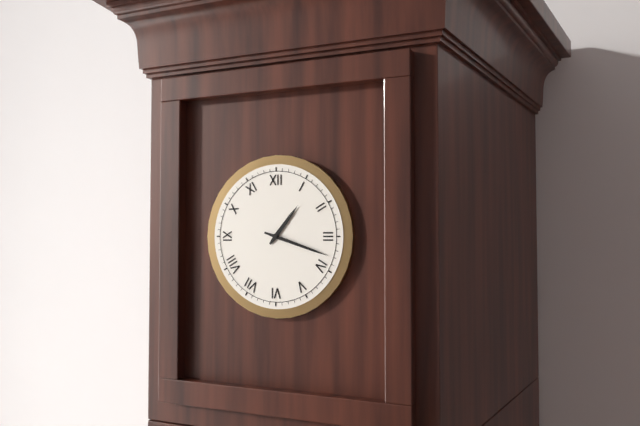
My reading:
1 h 18 min
